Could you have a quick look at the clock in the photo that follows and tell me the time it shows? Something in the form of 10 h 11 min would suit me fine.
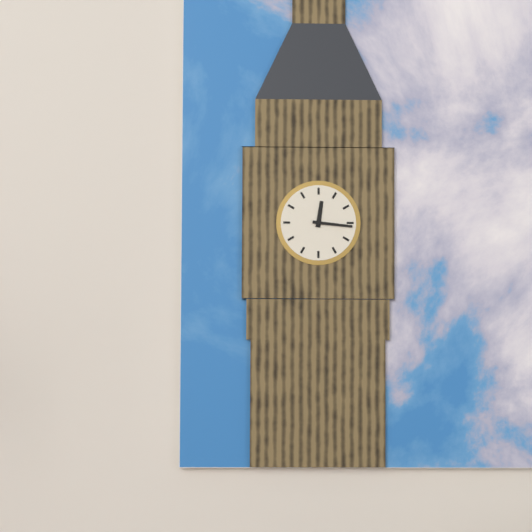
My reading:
12 h 16 min
